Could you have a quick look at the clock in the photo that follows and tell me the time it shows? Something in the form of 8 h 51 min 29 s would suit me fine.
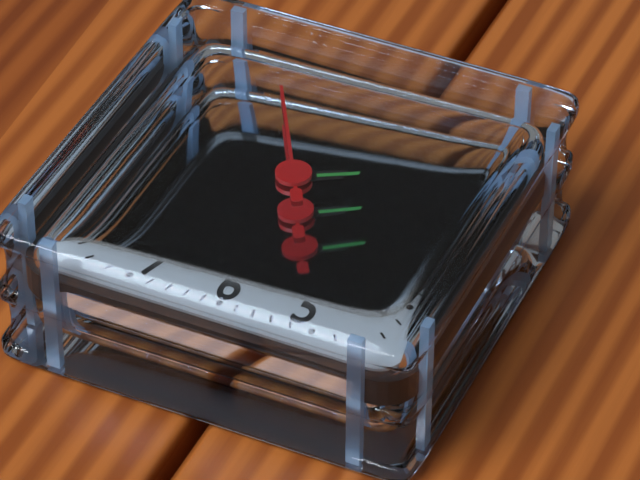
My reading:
1 h 10 min 55 s
